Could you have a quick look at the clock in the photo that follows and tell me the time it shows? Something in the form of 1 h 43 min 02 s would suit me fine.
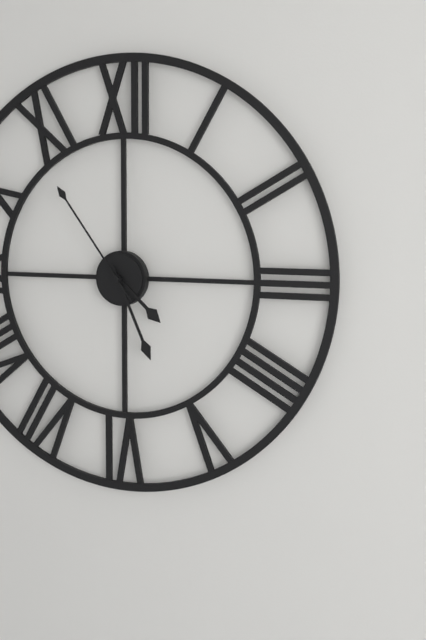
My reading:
4 h 26 min 54 s
